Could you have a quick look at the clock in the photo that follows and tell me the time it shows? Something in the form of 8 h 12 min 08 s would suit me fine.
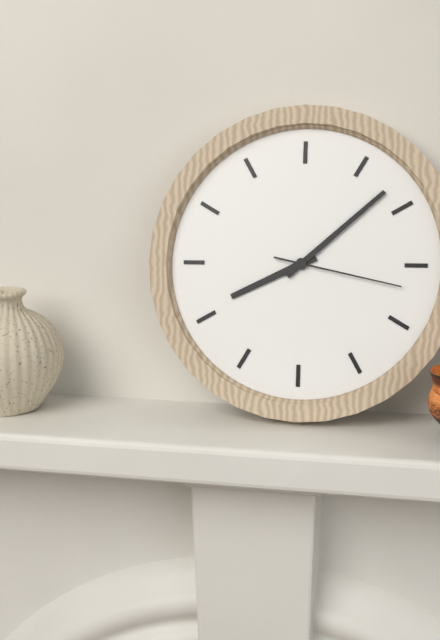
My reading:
8 h 08 min 17 s
